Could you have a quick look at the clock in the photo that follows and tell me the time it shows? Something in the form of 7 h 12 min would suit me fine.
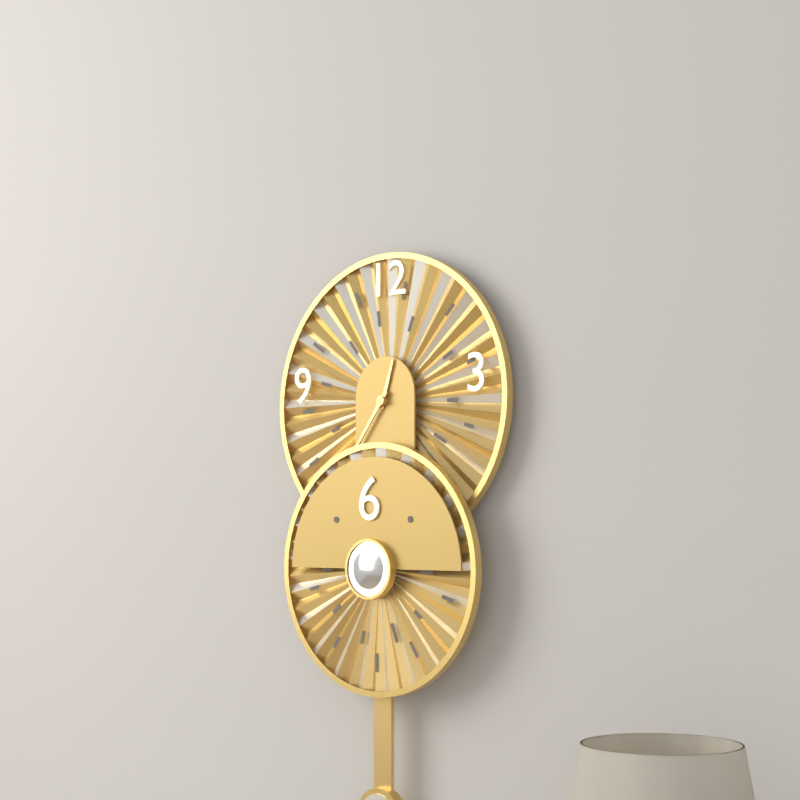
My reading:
12 h 36 min
